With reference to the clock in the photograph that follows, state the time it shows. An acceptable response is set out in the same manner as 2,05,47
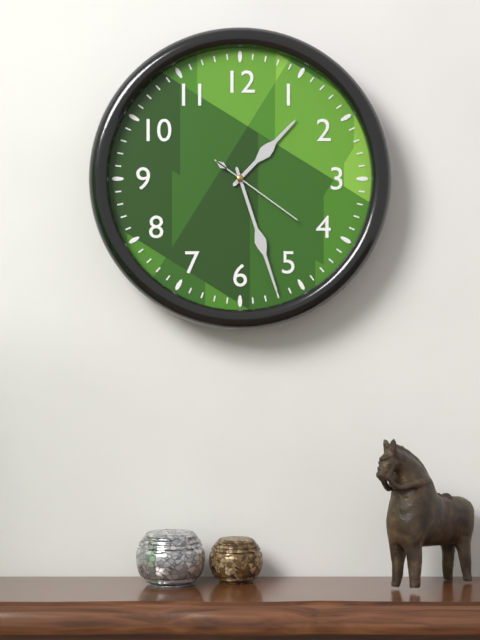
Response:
1,27,21
